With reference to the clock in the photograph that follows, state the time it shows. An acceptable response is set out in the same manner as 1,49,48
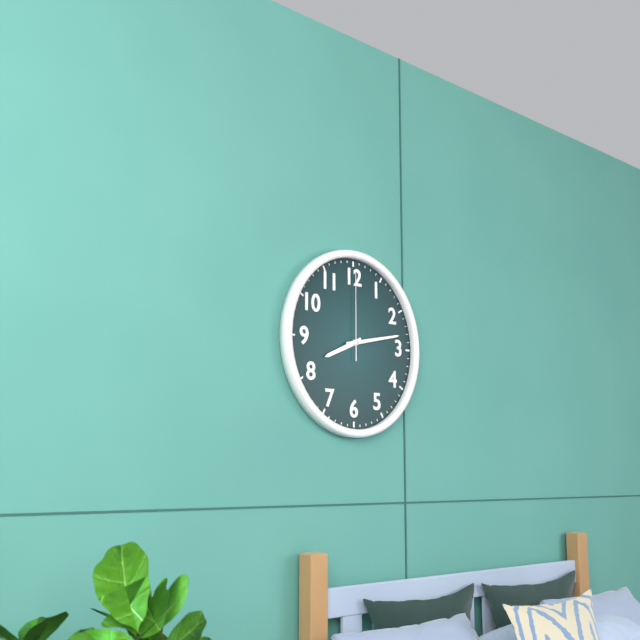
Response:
8,13,00
